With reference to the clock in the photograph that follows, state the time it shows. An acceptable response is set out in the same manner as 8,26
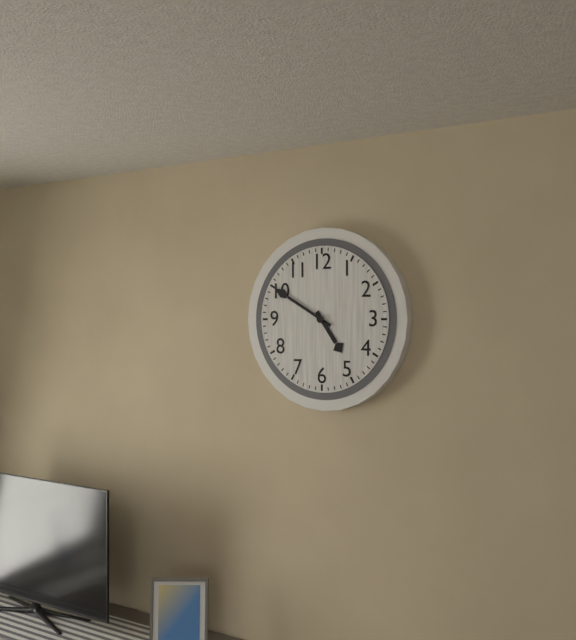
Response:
4,50
